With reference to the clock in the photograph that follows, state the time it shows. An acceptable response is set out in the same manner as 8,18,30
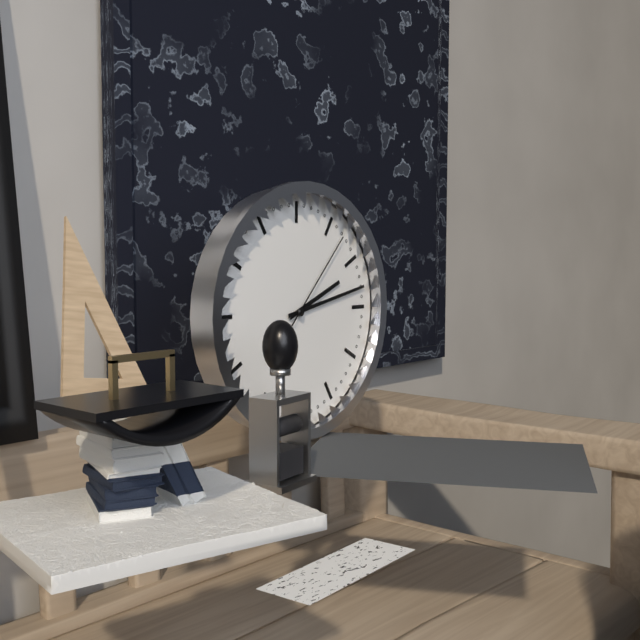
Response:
2,13,07
